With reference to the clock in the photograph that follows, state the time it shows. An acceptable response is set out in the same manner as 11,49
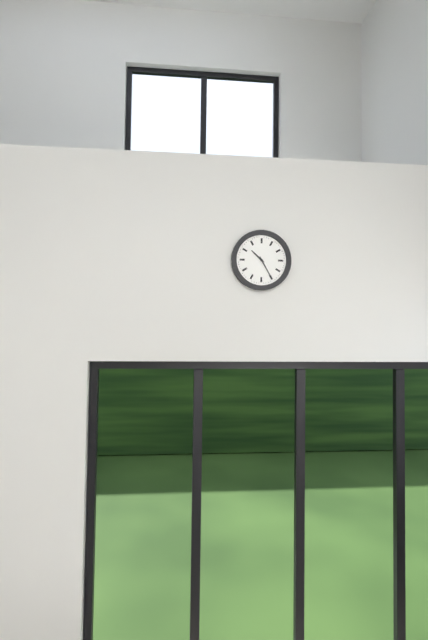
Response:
10,25
